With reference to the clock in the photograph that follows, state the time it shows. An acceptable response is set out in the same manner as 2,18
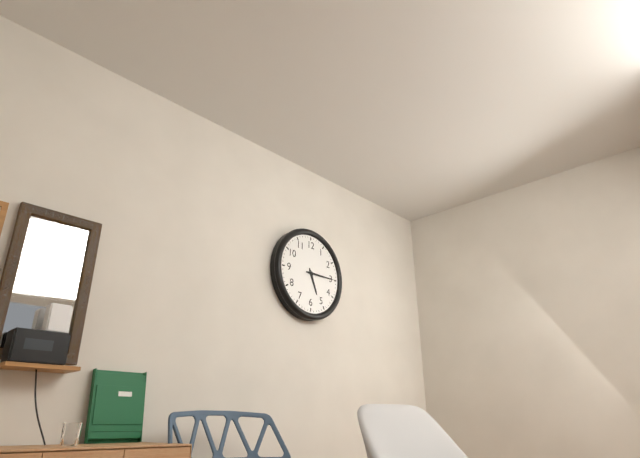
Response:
5,15
